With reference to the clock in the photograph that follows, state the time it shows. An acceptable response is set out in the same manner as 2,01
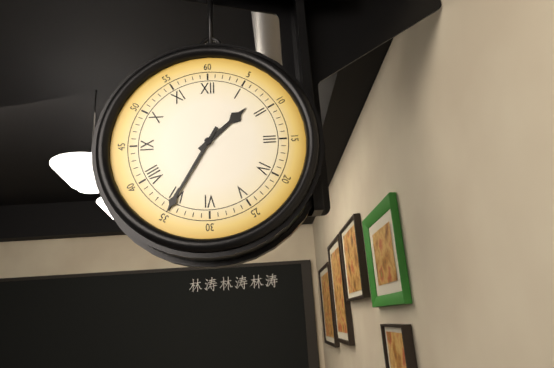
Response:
1,35
